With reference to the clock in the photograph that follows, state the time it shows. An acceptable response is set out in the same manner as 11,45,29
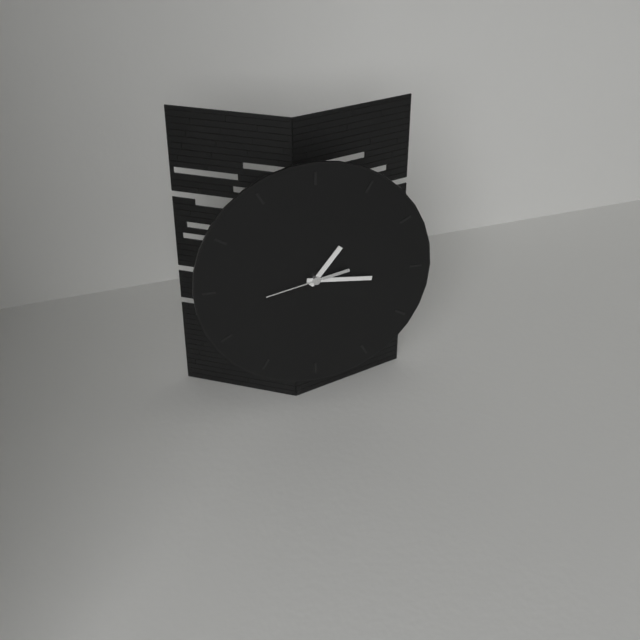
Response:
1,16,43
